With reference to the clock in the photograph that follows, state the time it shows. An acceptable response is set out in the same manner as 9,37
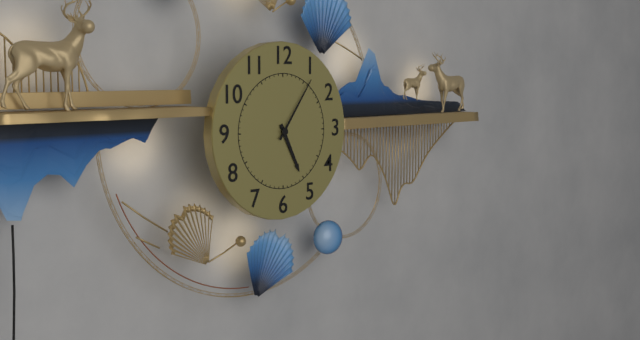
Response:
5,06
